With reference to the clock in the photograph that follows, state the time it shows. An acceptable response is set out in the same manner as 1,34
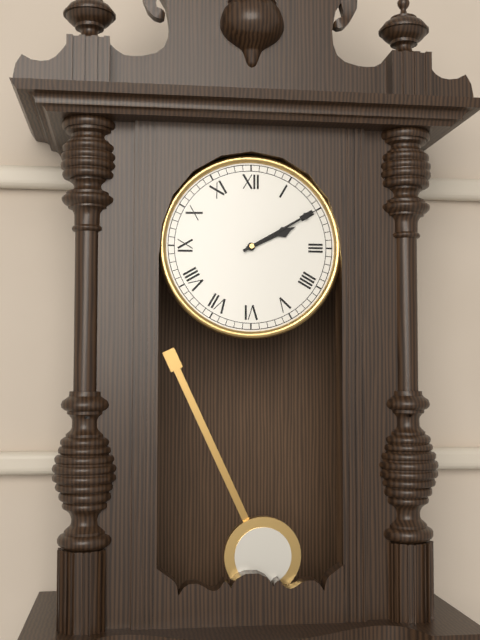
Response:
2,10
